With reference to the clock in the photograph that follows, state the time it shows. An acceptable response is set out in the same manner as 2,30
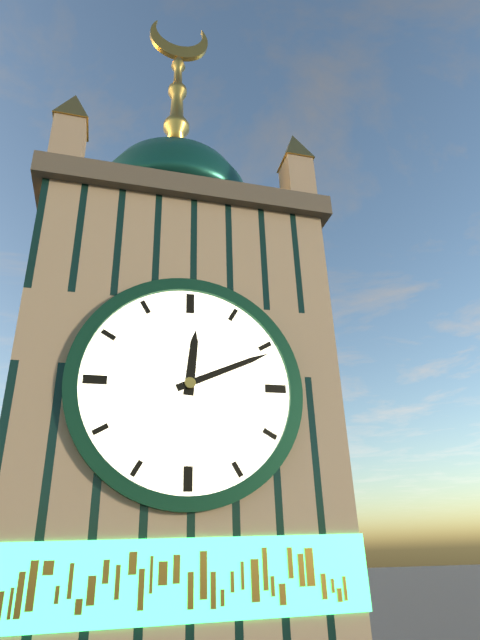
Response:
12,11
